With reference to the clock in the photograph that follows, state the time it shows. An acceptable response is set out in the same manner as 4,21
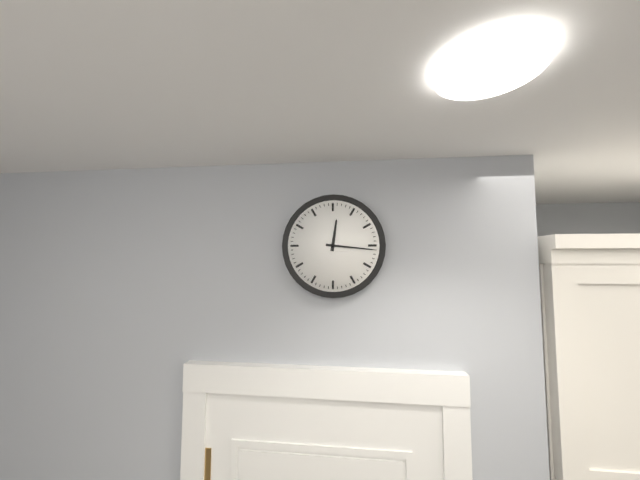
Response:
12,16
